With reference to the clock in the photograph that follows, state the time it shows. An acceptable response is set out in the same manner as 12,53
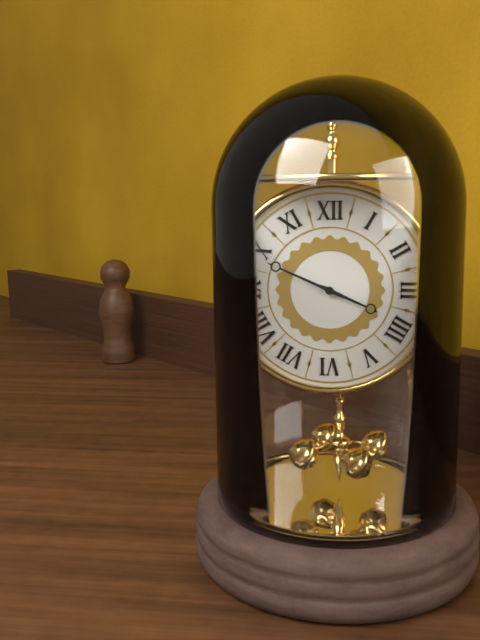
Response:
3,49
